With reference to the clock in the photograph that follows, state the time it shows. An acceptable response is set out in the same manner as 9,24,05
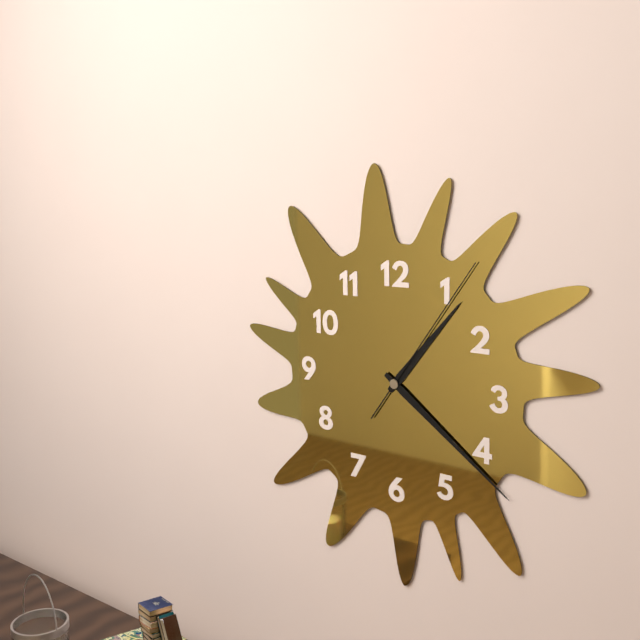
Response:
1,21,06
